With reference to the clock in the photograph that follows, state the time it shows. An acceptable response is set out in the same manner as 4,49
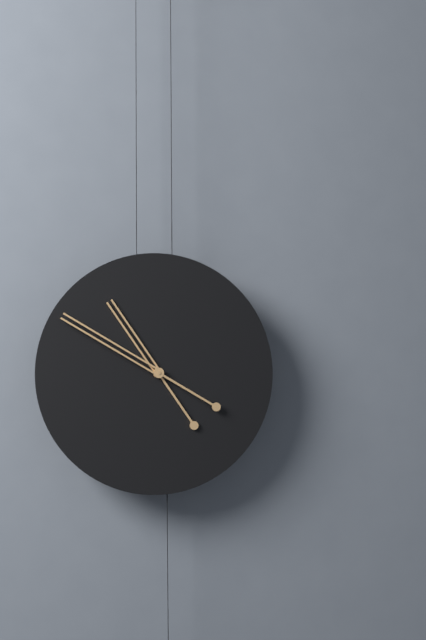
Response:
10,50
